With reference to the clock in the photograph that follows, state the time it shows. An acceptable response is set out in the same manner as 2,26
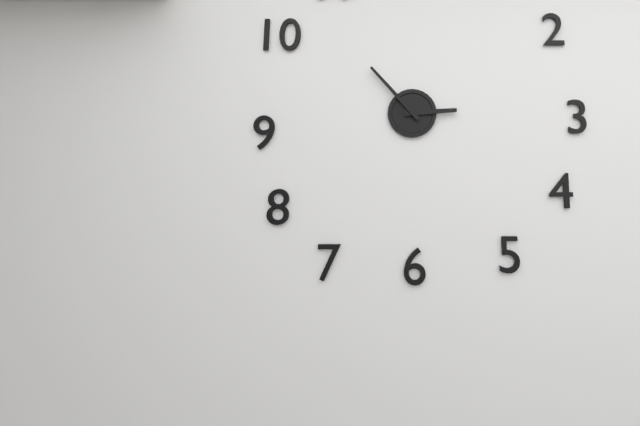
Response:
2,53
